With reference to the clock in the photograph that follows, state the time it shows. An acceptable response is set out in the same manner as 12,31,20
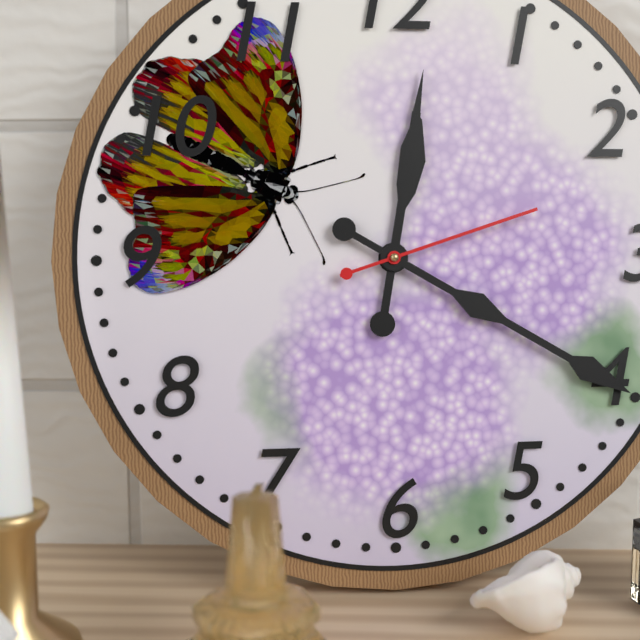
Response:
12,20,12
